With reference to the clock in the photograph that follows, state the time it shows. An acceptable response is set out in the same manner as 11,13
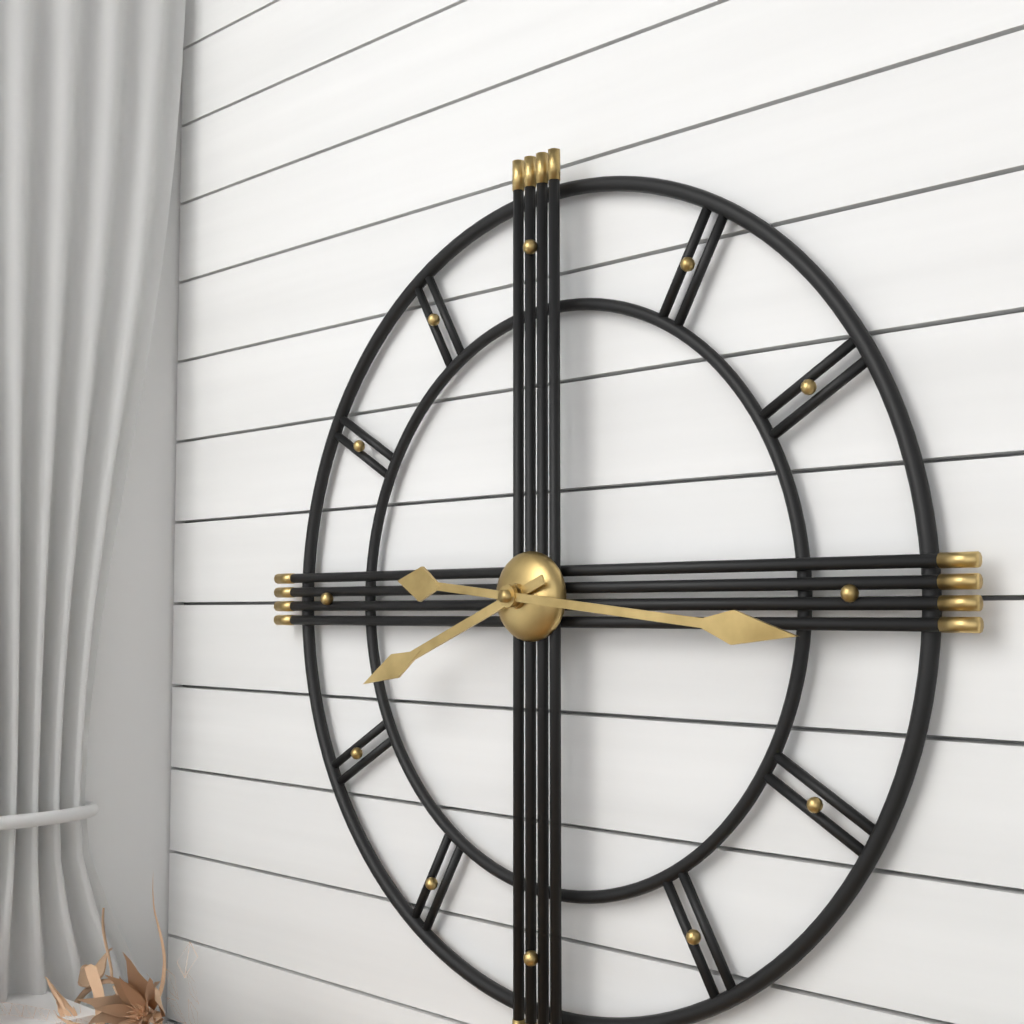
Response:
8,16
